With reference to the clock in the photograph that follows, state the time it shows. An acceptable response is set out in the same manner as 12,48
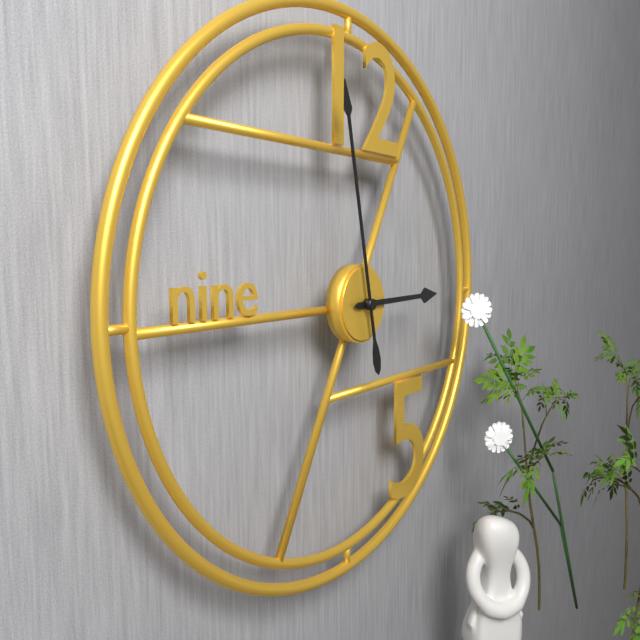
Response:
2,58
